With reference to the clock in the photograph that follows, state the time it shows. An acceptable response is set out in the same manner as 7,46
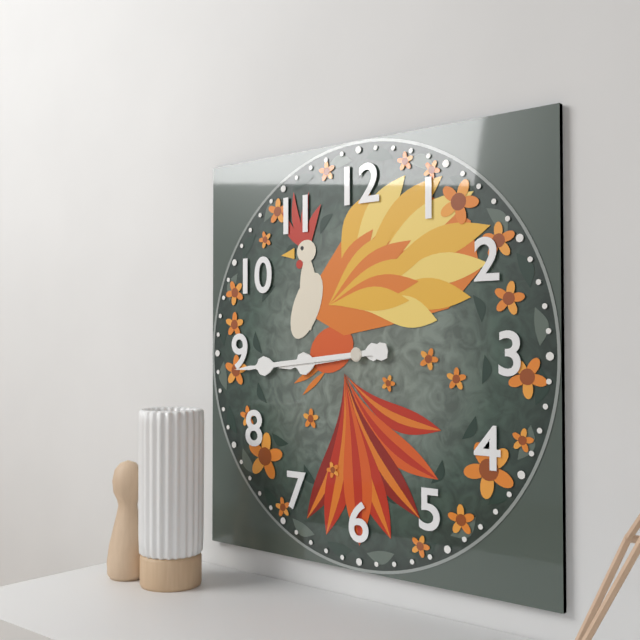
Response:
8,44
